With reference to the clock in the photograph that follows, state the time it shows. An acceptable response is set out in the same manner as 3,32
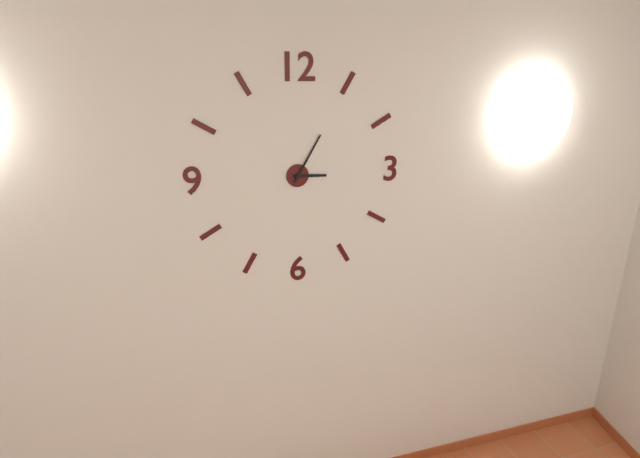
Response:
3,05
